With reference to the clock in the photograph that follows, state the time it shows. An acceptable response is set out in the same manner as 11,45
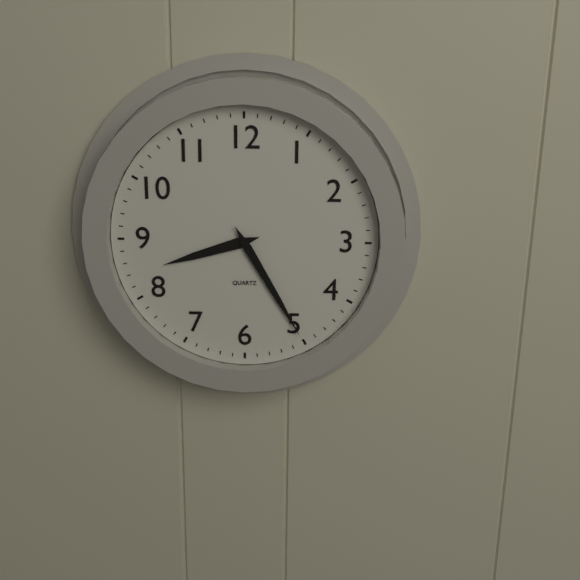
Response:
8,25
